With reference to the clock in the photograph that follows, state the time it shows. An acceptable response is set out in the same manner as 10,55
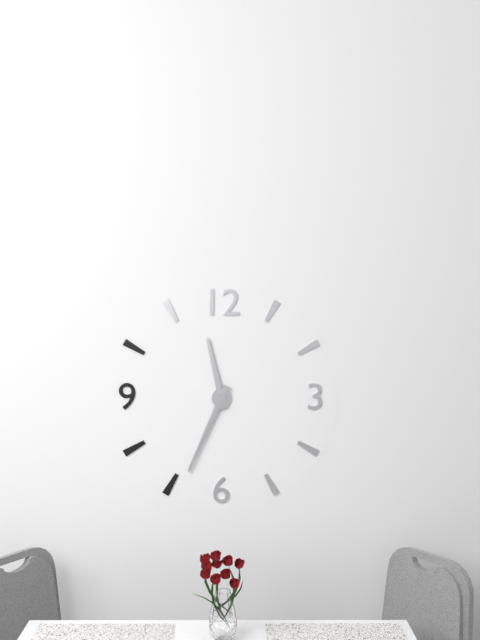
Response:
11,34
